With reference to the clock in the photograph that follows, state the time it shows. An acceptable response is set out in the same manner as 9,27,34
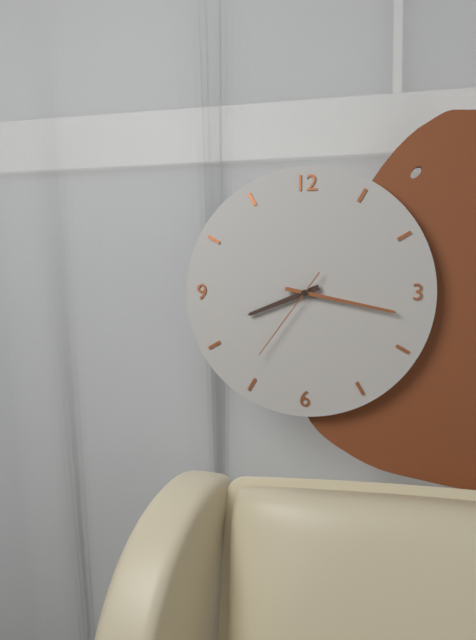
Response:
8,17,36
